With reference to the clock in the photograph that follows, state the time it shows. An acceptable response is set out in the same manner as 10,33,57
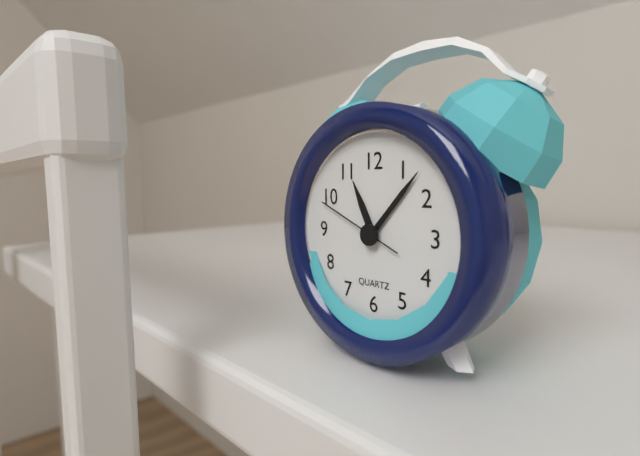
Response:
11,07,49
